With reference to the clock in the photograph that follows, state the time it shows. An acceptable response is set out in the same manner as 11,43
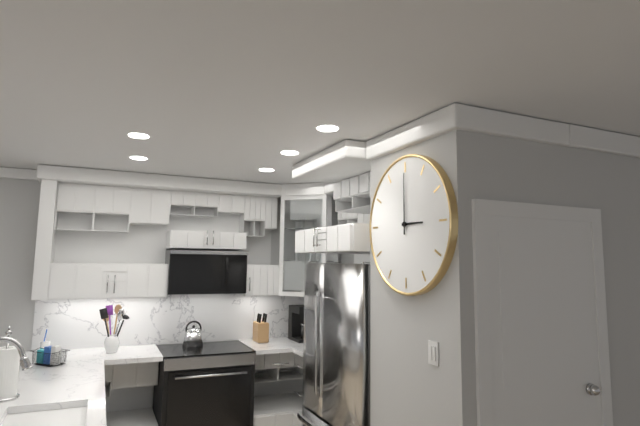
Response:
3,00
